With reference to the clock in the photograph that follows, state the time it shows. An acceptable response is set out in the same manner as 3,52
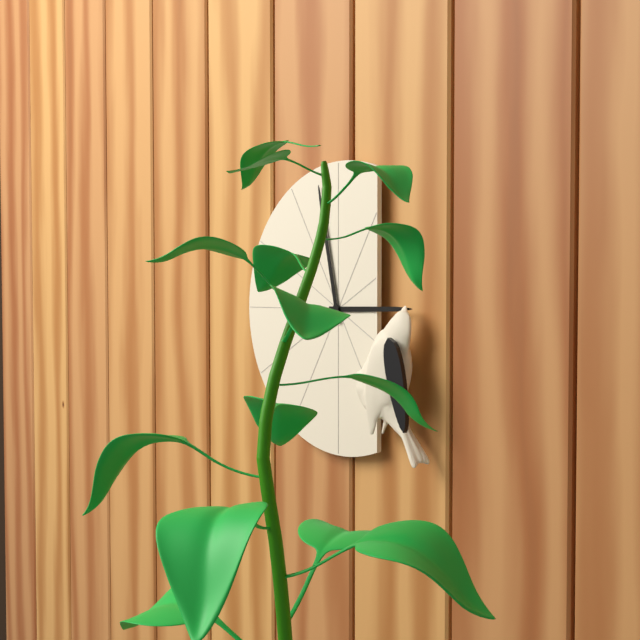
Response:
2,58
